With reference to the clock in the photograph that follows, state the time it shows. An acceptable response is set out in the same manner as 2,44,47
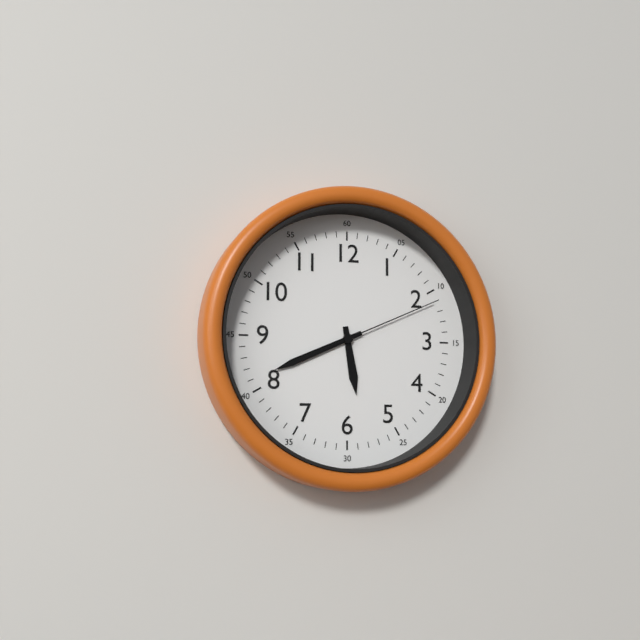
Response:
5,41,11
